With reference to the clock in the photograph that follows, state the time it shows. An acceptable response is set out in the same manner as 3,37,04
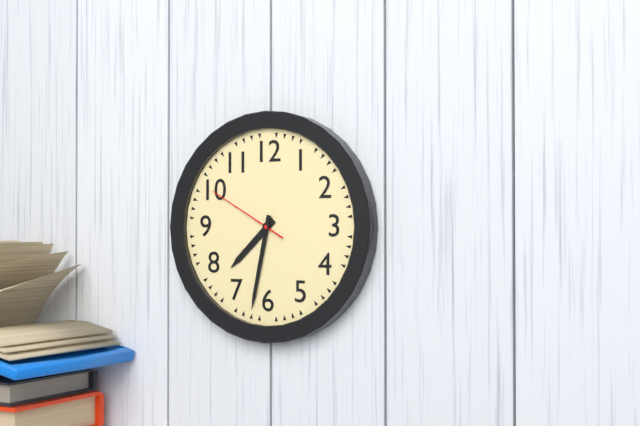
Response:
7,32,50
